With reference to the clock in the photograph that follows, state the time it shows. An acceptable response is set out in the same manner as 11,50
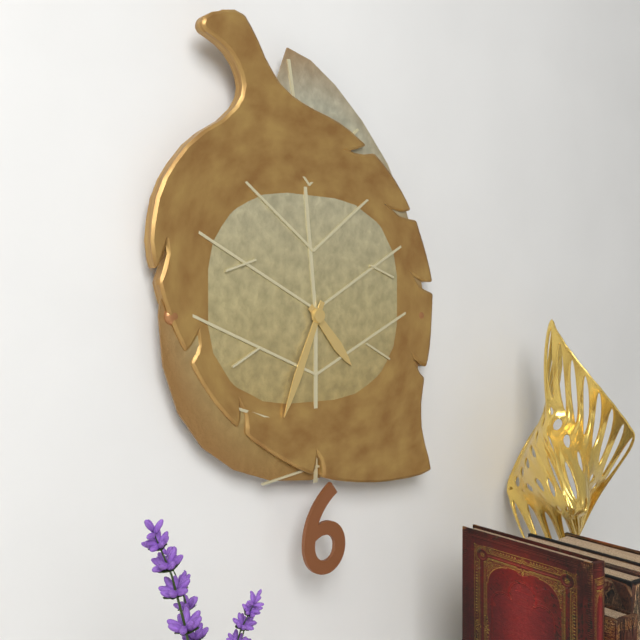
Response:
4,34
